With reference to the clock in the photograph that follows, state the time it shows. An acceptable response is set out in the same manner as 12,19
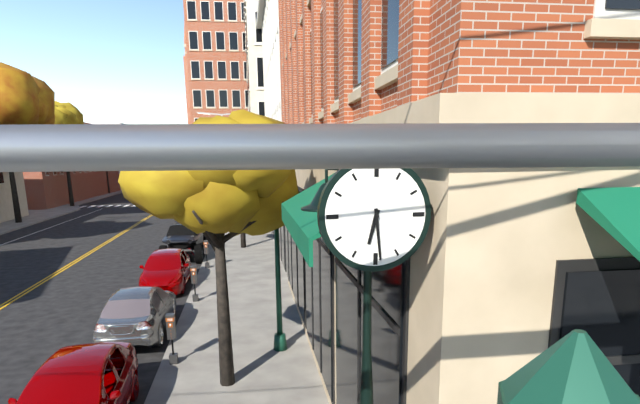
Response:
6,29
